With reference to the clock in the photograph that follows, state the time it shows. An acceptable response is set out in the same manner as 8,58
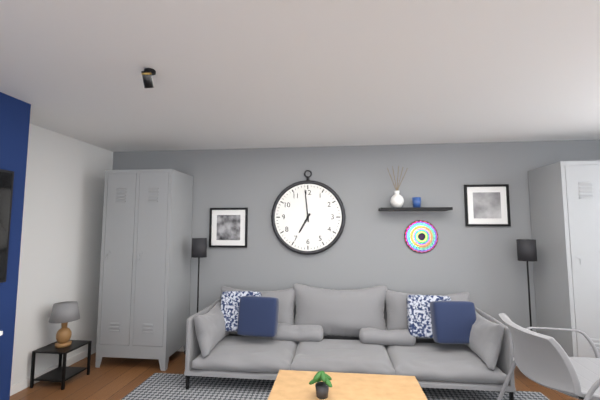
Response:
6,59
